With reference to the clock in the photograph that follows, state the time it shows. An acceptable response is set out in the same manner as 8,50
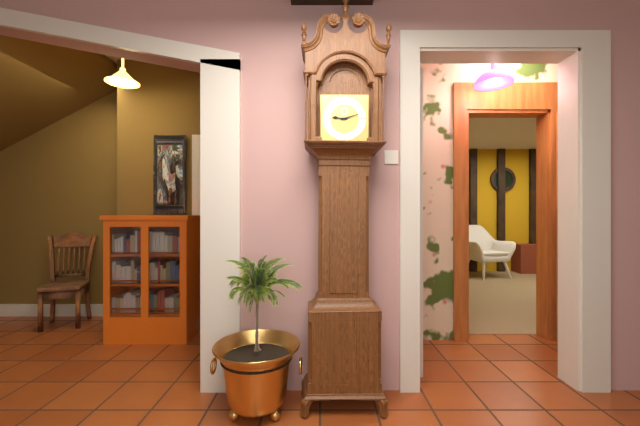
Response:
9,12
